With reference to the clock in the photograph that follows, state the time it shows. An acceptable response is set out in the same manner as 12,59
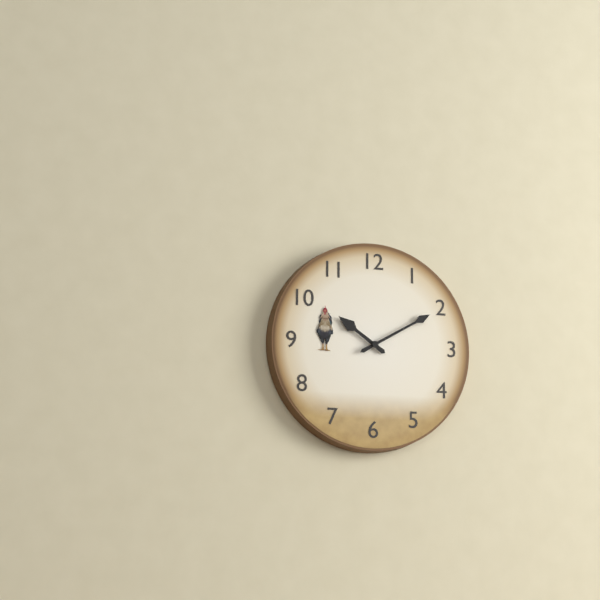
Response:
10,10
